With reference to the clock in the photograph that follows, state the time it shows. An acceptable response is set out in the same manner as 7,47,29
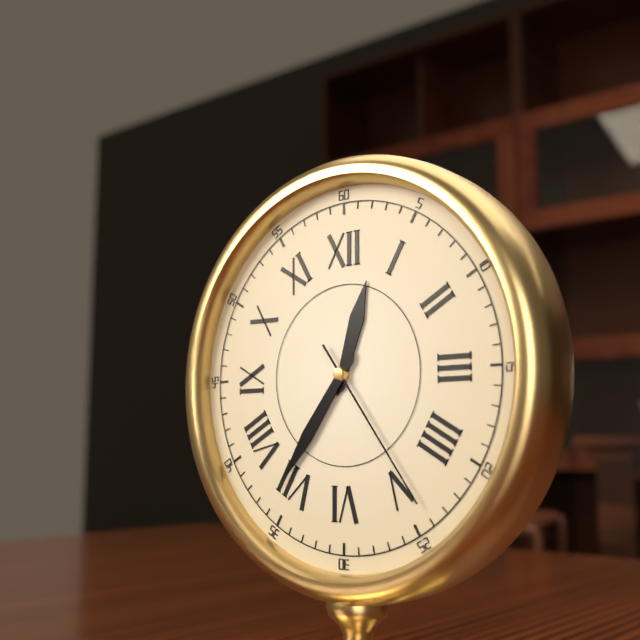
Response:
12,36,24
